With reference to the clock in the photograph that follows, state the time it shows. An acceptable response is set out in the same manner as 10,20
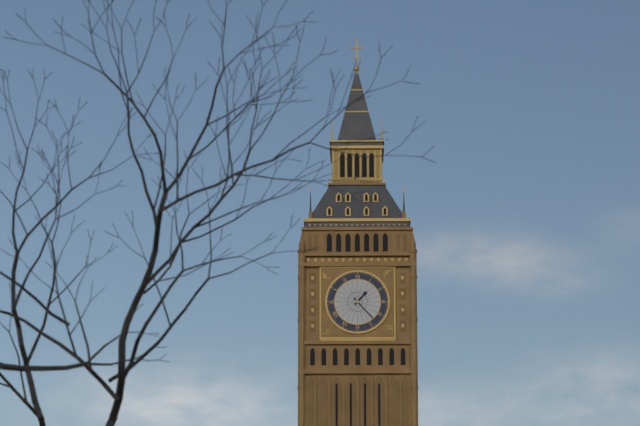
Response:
1,23
